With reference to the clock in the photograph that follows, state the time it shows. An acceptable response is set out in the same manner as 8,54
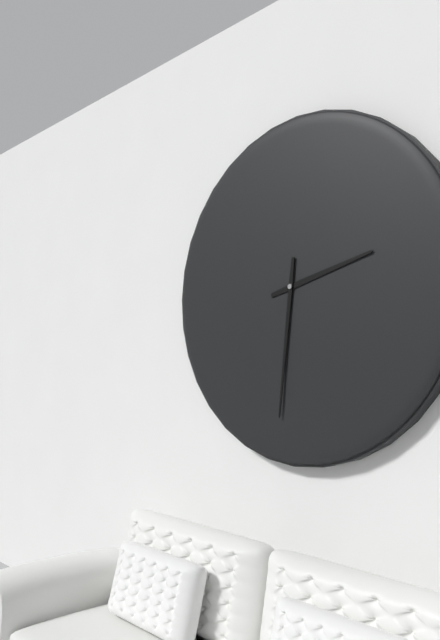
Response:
2,31
